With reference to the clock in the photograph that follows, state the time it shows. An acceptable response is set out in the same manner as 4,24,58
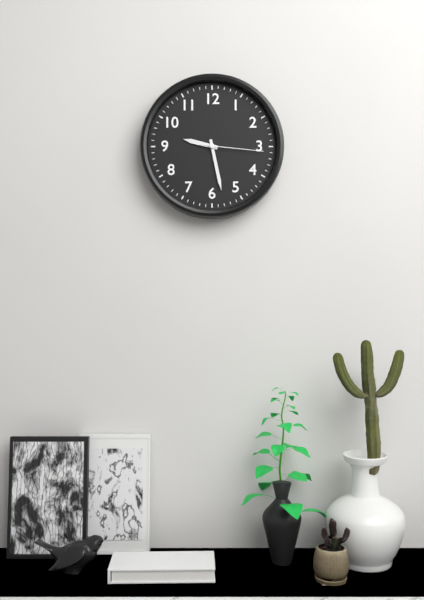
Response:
9,28,16
